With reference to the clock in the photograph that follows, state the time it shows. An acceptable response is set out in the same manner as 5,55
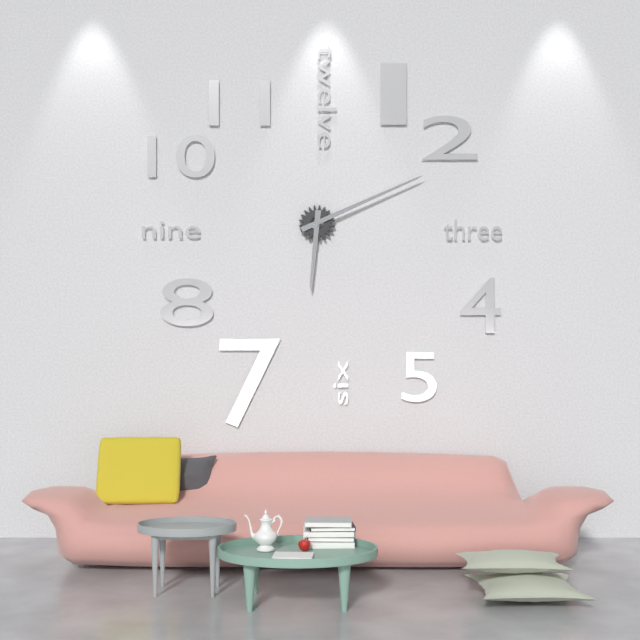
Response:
6,11
